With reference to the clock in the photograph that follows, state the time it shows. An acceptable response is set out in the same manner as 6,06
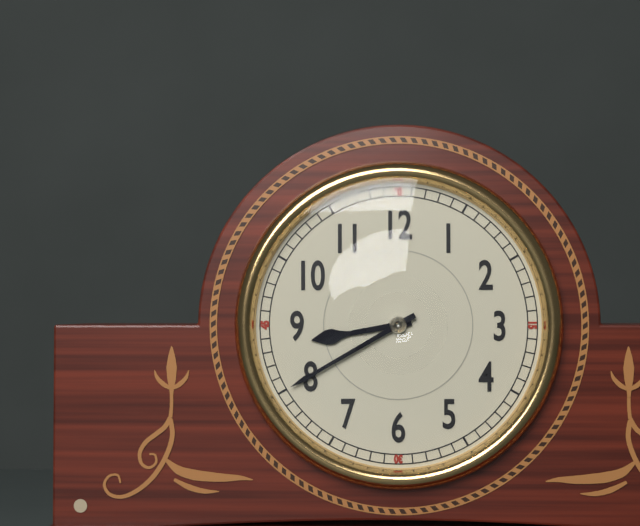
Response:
8,40
